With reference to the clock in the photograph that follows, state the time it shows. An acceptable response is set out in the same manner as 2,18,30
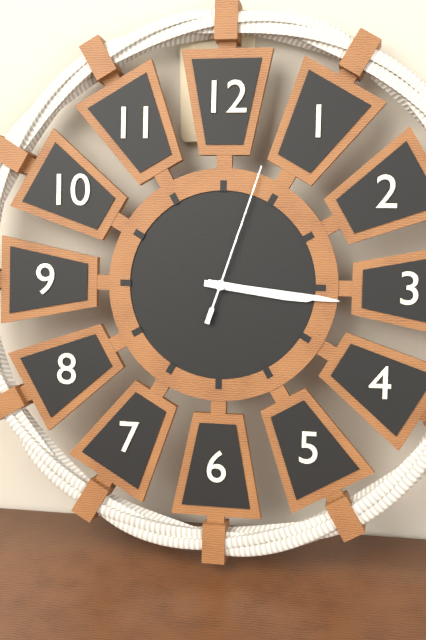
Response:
3,16,03
